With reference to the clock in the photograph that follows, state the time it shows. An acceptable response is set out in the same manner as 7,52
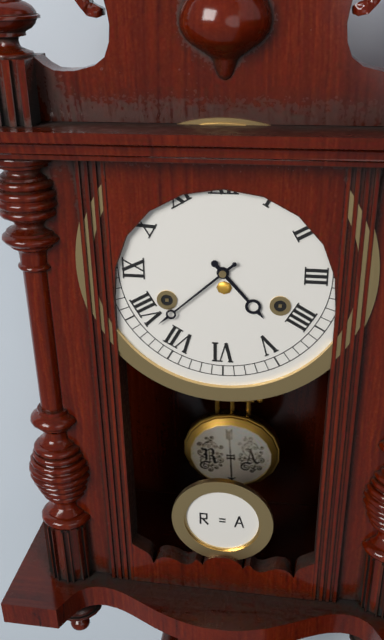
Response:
4,38
